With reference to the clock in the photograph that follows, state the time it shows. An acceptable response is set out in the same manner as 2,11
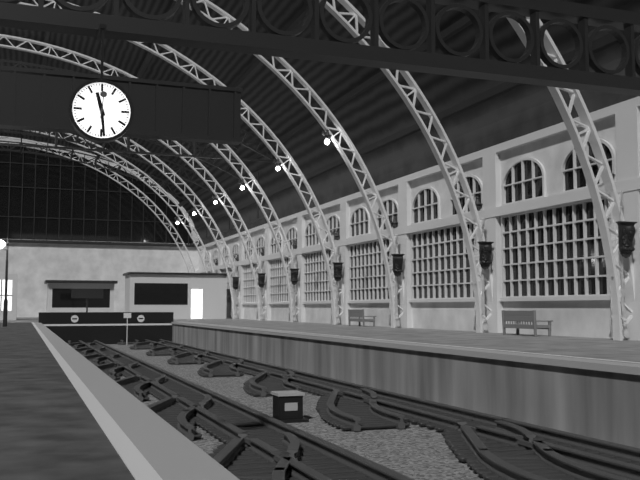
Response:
11,29
